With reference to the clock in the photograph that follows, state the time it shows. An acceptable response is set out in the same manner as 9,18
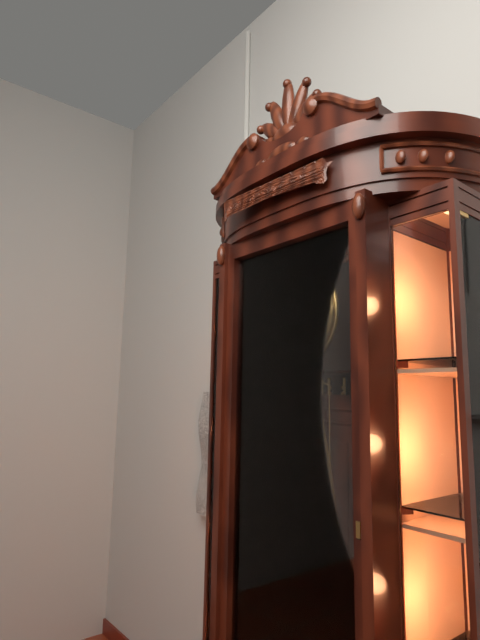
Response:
9,02
